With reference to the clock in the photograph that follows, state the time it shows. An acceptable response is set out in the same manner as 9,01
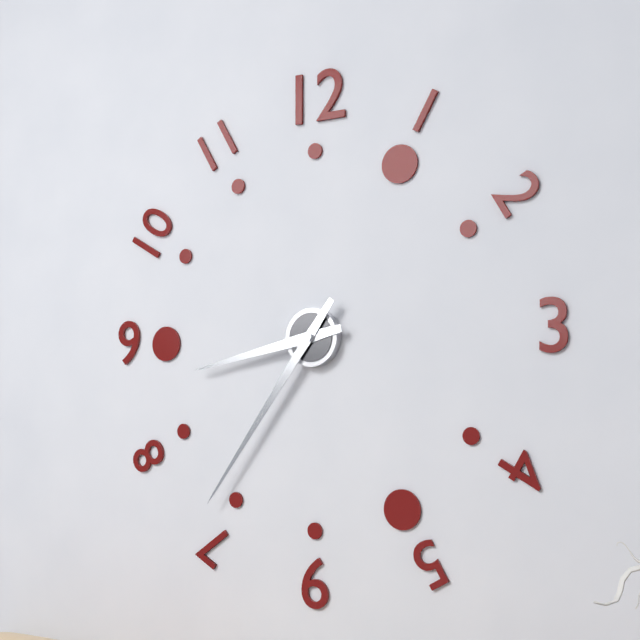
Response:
8,36
